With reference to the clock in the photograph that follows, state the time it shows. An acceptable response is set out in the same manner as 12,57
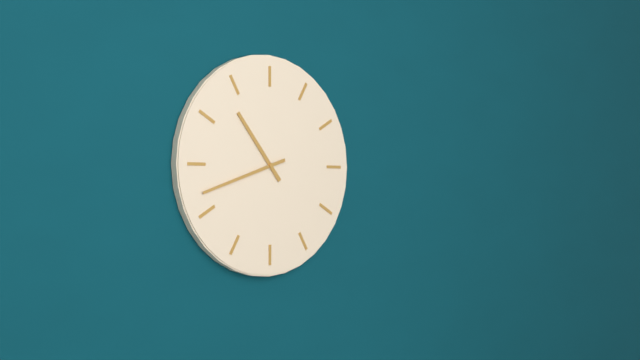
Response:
10,42
